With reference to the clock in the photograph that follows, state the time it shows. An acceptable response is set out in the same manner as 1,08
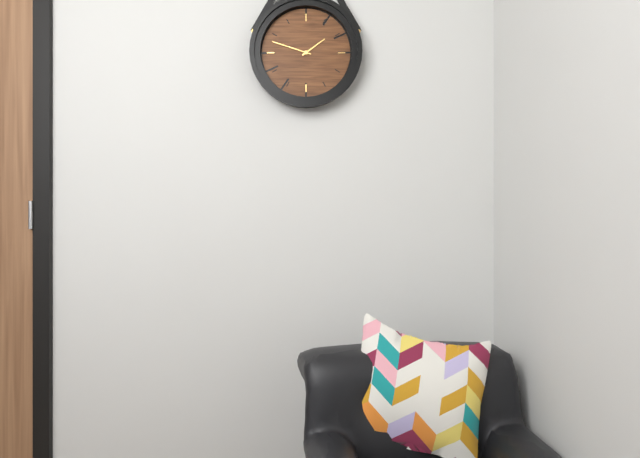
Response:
1,48
